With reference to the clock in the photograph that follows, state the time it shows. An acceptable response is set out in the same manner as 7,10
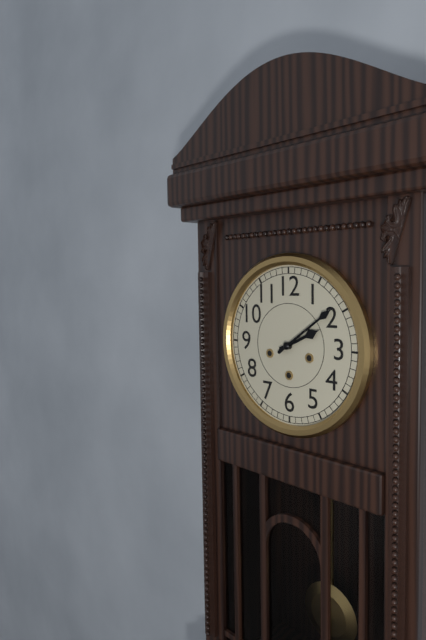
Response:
2,09
